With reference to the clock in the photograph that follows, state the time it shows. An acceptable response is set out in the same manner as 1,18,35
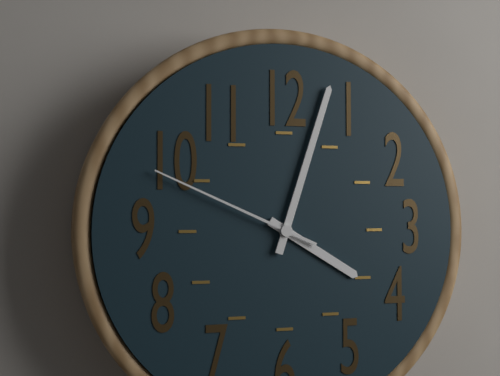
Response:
4,03,49
